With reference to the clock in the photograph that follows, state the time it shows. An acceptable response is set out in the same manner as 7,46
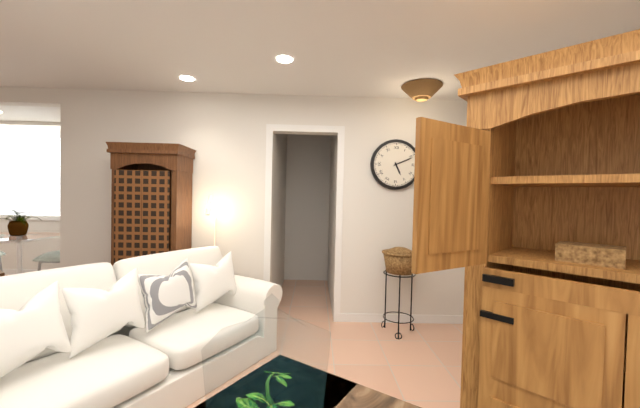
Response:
5,11
